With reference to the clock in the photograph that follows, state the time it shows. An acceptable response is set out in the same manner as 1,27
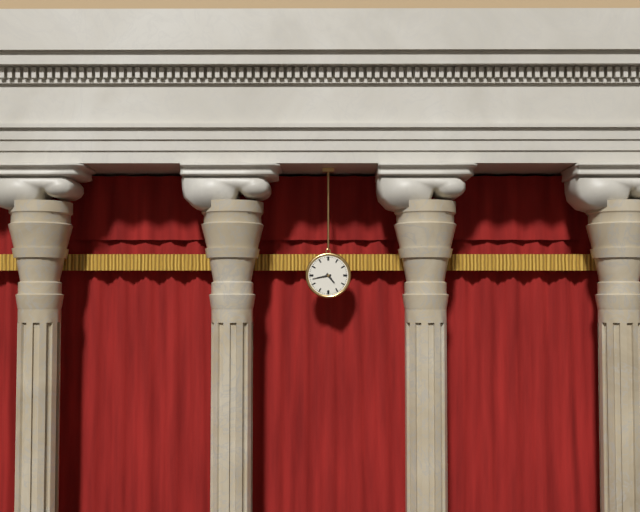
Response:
4,43
